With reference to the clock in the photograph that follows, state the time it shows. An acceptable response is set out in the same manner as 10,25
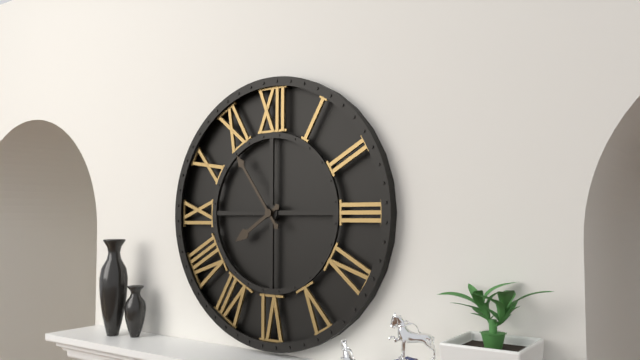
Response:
7,54
